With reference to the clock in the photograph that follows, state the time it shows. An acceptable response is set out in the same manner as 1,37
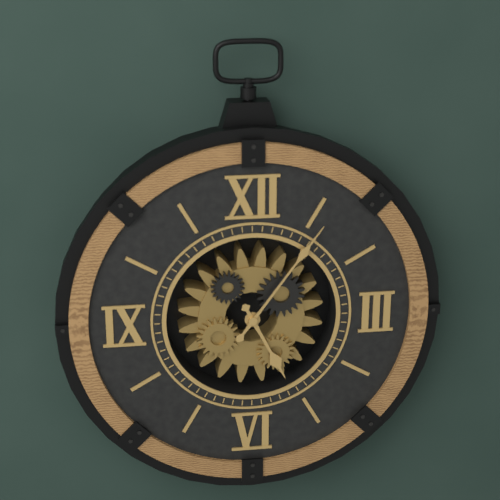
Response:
5,06
